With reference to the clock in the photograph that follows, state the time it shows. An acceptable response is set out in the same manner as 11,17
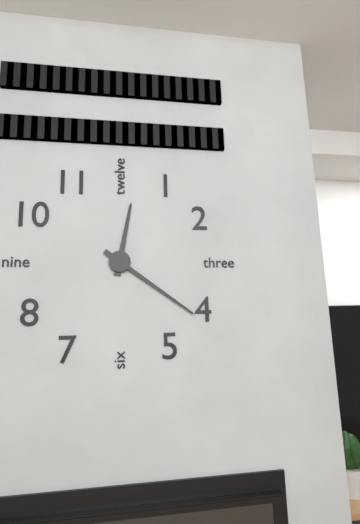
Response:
12,21
